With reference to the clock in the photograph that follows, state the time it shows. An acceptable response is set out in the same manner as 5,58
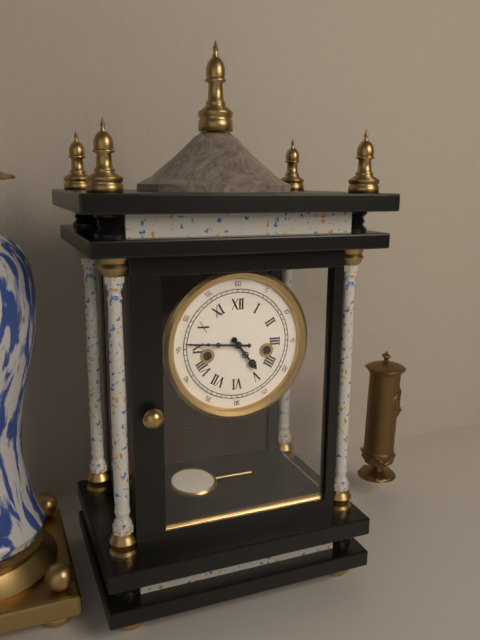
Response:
4,46
